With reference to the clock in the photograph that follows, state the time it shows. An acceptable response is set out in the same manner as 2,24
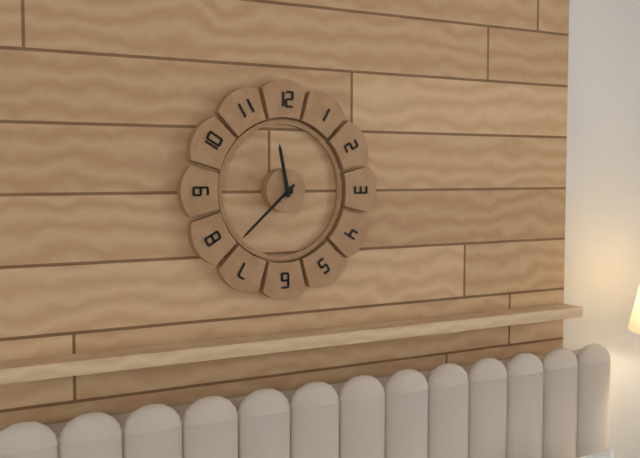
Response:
11,38
